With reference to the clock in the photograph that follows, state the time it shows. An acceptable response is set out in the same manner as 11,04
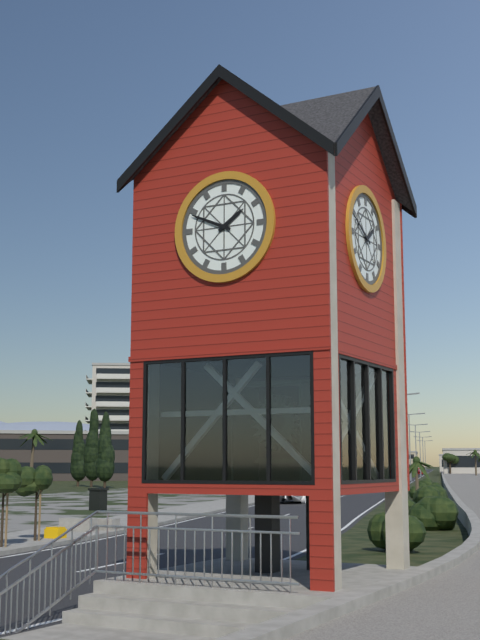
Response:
1,49
